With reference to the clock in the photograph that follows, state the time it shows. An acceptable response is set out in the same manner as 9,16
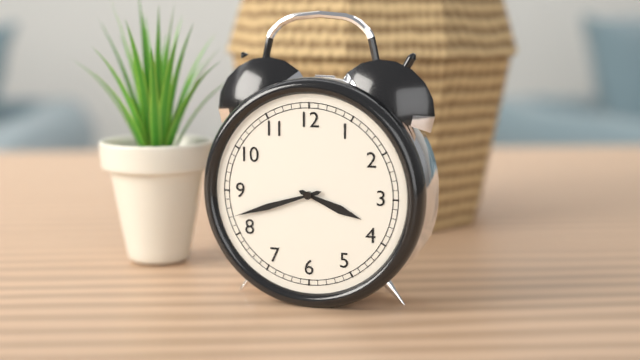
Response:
3,42
